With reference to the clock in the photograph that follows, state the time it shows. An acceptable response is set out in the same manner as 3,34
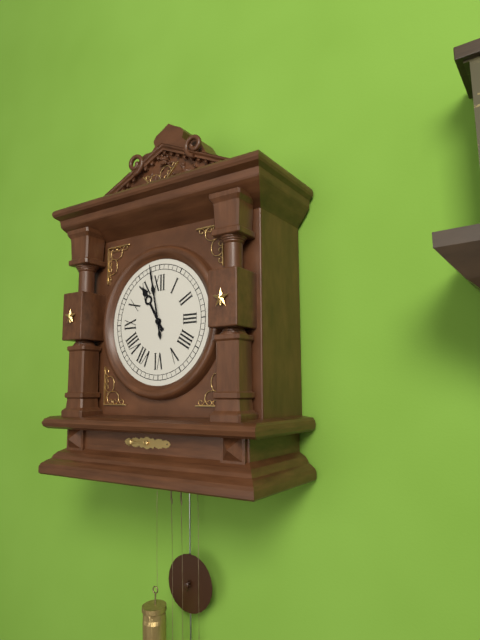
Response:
10,58
